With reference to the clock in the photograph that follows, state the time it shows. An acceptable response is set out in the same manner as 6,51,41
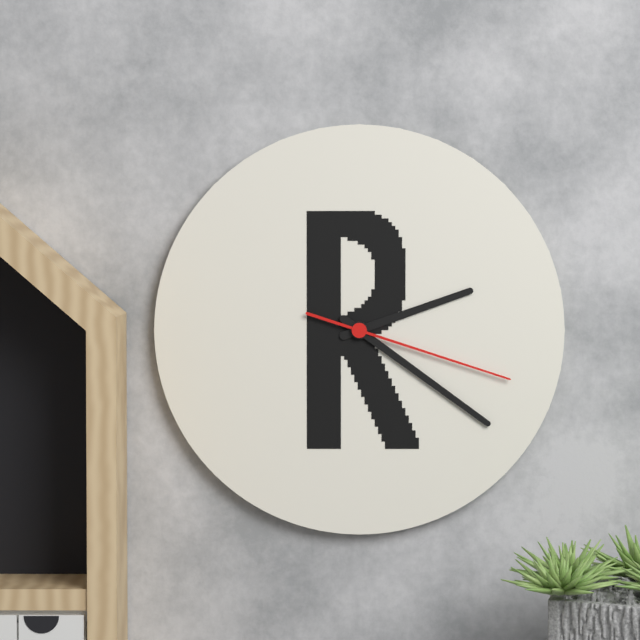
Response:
2,21,18
